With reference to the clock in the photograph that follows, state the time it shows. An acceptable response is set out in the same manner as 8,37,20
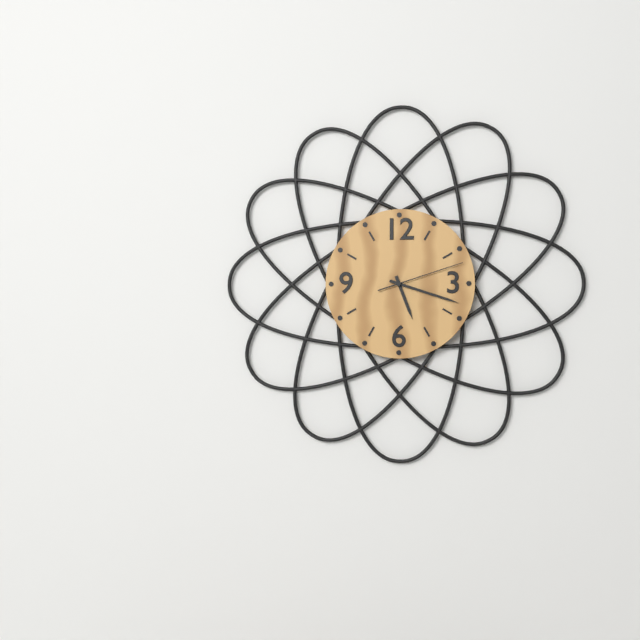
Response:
5,18,12
